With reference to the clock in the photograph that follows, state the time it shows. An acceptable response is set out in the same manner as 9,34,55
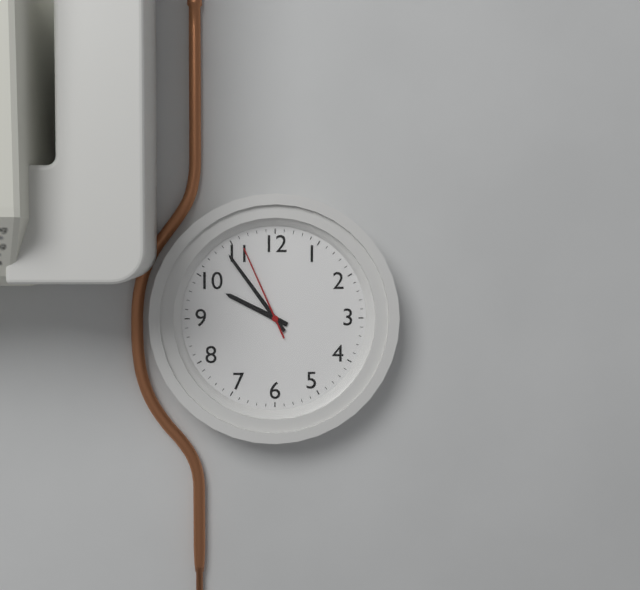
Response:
9,54,56
